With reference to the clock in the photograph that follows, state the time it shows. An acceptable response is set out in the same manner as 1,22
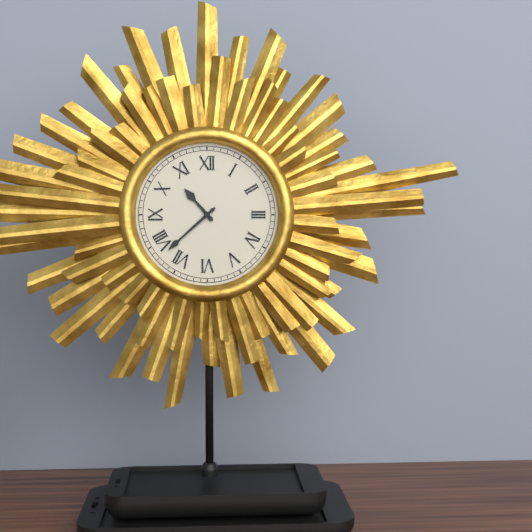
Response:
10,38
